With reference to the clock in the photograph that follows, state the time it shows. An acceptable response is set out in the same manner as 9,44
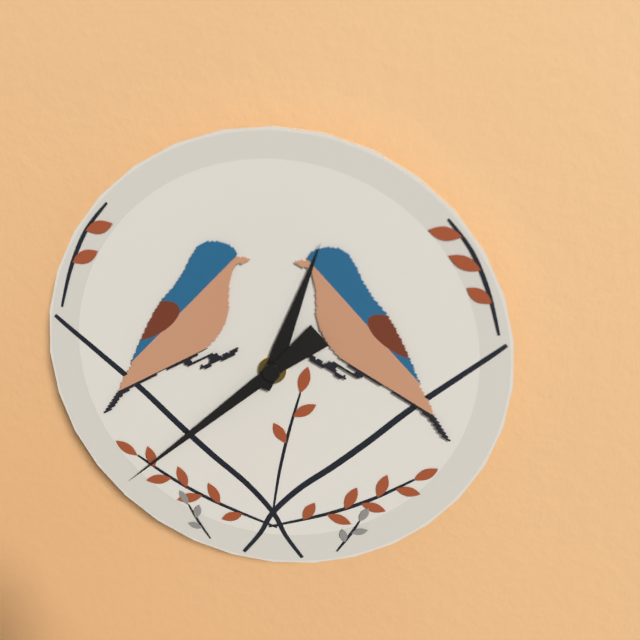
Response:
12,38
